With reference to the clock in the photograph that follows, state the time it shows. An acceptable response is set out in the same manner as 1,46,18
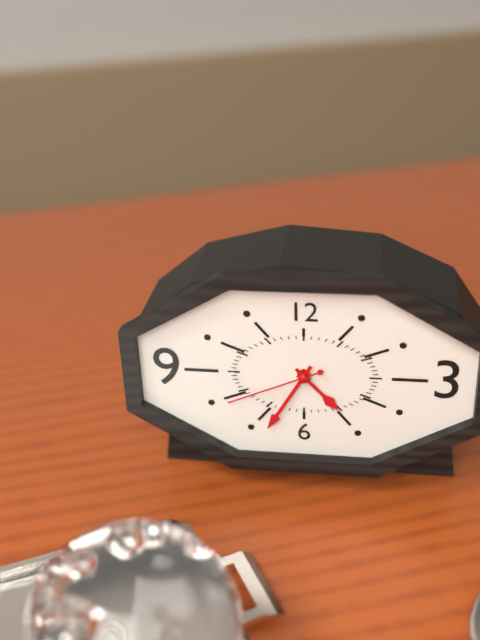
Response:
4,35,41
